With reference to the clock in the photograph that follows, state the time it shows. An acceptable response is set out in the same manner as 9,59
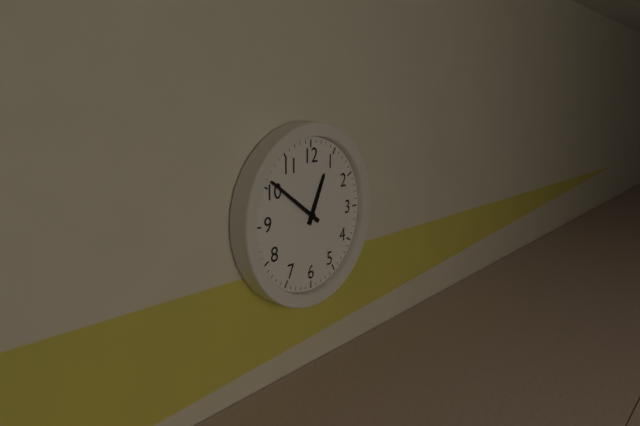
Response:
12,51
